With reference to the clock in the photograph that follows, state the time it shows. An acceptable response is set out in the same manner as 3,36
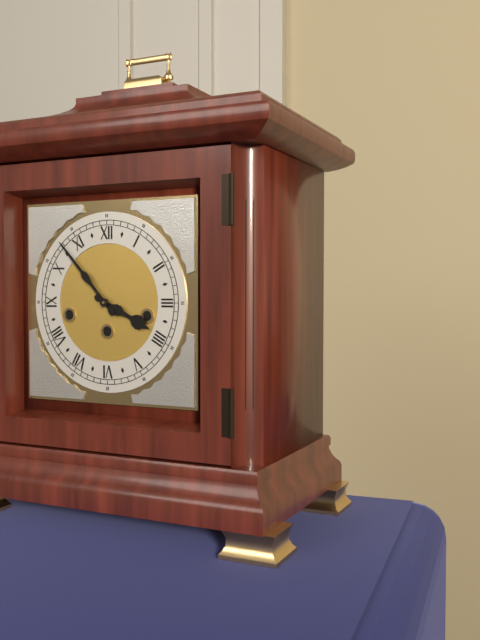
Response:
3,53
